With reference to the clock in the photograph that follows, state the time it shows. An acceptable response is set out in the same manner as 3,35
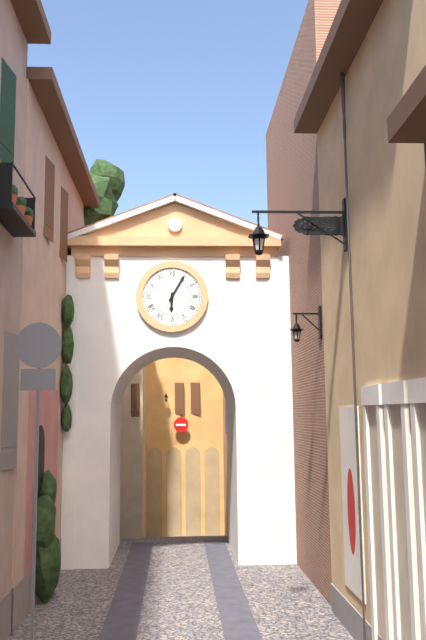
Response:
6,05
